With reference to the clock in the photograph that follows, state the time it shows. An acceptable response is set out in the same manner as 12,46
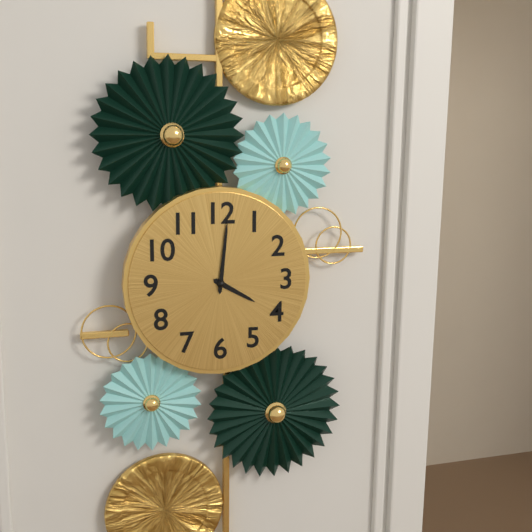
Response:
4,01
